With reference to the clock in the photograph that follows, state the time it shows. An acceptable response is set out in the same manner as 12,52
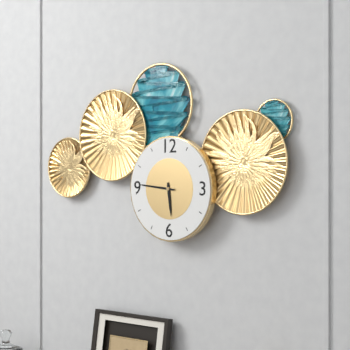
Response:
5,46
